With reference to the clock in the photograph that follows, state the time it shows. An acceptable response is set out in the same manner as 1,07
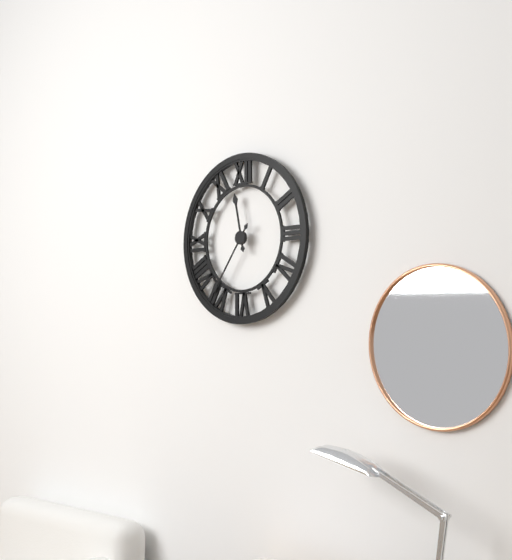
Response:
11,36
